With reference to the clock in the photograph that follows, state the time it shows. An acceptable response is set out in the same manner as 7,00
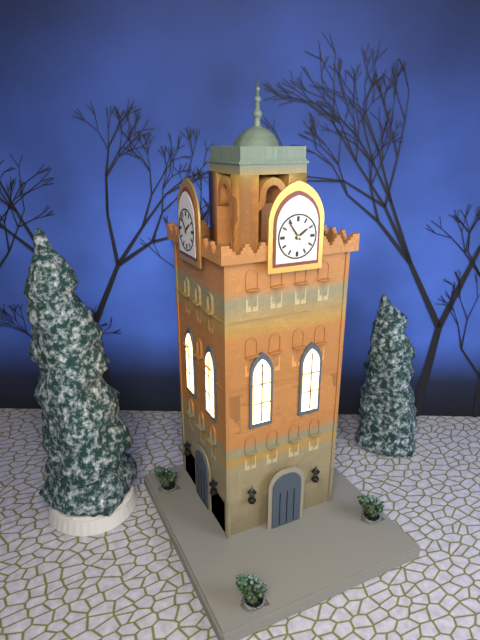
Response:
1,54
